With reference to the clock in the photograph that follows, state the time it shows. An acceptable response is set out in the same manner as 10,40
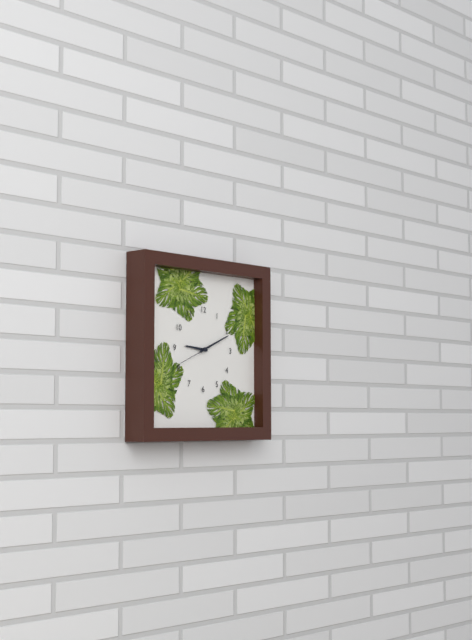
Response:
9,11
